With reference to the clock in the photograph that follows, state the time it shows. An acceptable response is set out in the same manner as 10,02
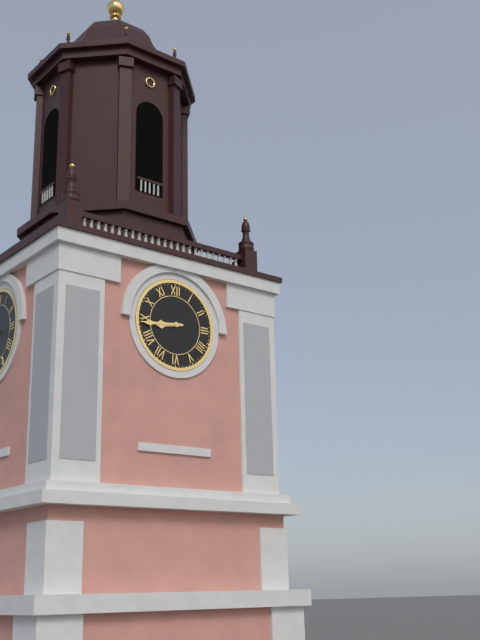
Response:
8,44
